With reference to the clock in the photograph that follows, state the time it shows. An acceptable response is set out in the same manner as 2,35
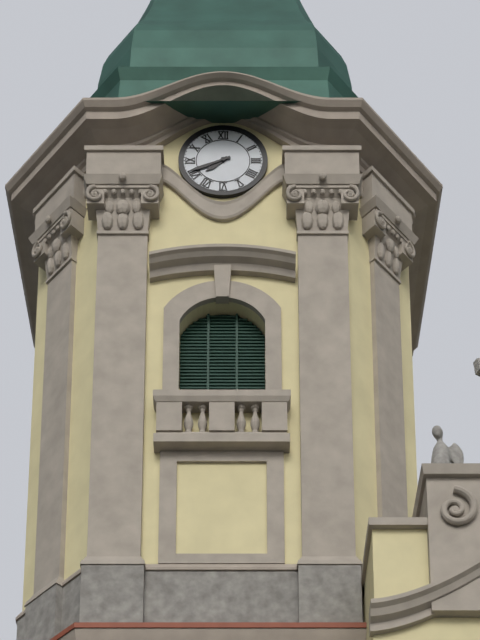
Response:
7,41
